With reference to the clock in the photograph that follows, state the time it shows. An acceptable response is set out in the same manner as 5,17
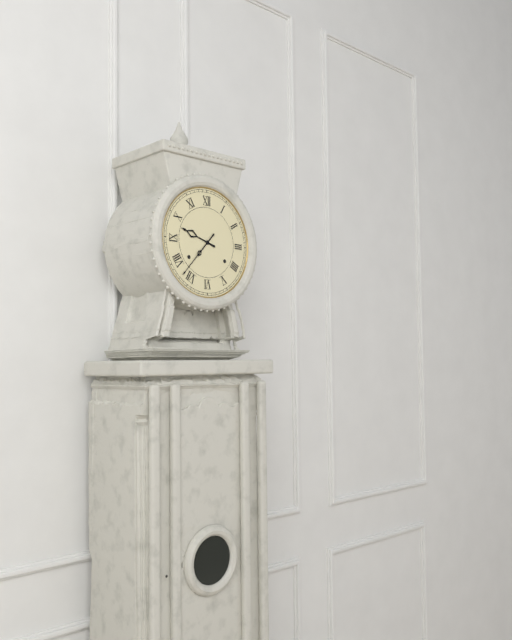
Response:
9,37
